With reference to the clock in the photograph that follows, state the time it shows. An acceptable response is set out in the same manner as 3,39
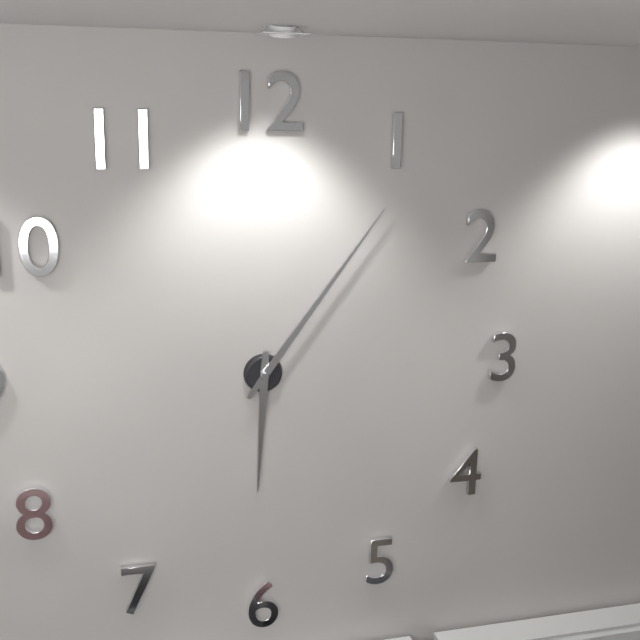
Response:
6,06
